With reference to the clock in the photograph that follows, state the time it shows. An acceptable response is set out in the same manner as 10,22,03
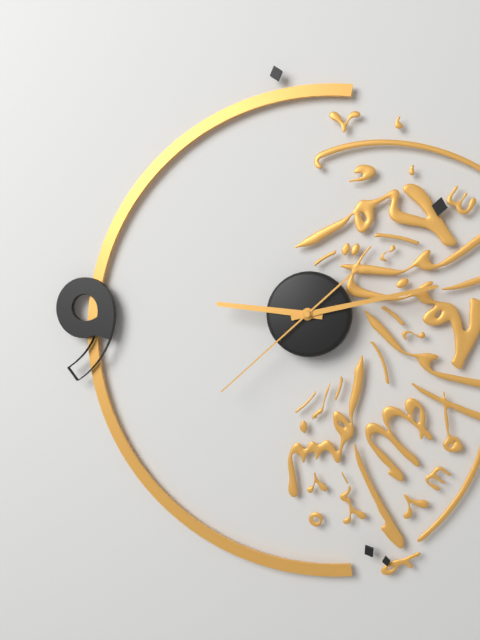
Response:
9,13,38
